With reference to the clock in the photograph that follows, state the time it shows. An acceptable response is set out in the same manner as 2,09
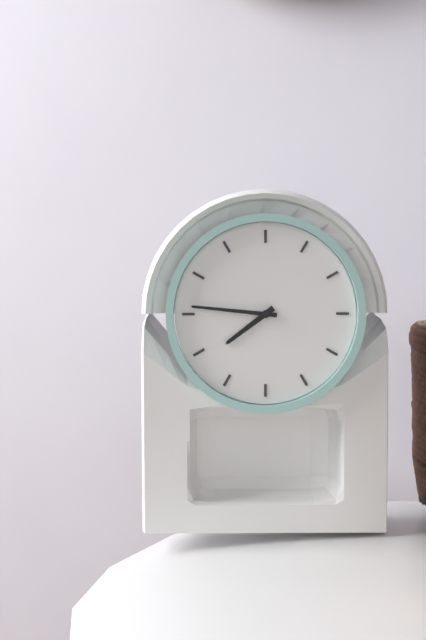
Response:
7,46
